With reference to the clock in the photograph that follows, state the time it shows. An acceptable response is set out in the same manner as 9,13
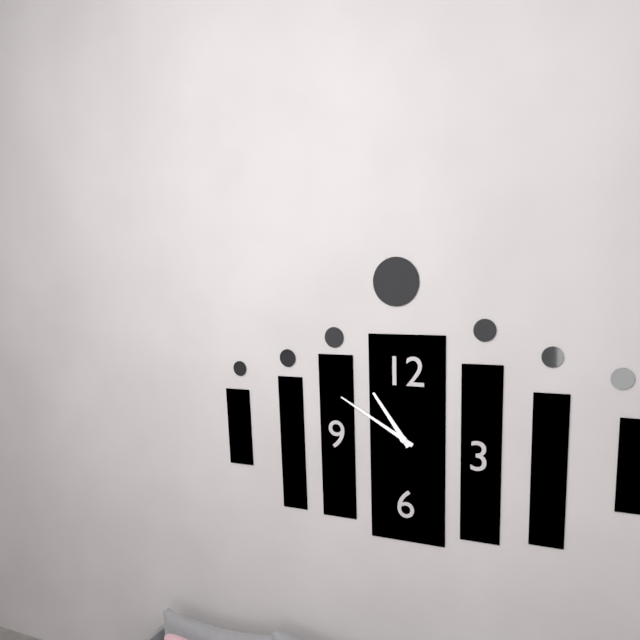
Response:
10,50
